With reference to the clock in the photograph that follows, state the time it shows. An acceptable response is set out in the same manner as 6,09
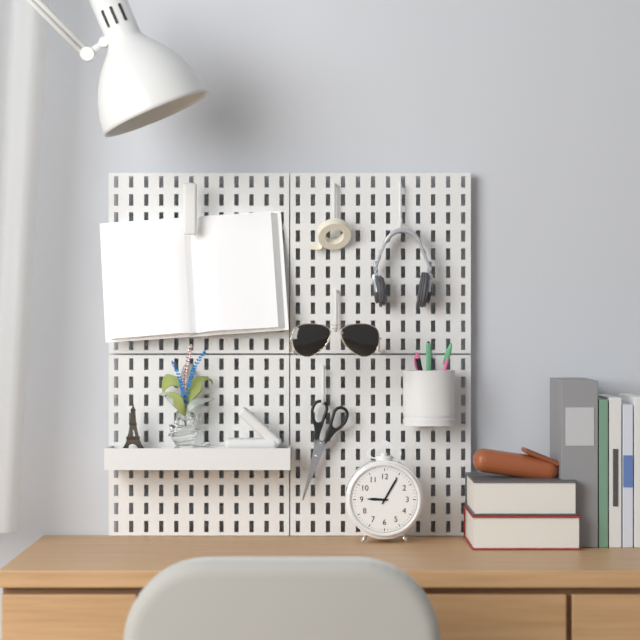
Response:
9,05
